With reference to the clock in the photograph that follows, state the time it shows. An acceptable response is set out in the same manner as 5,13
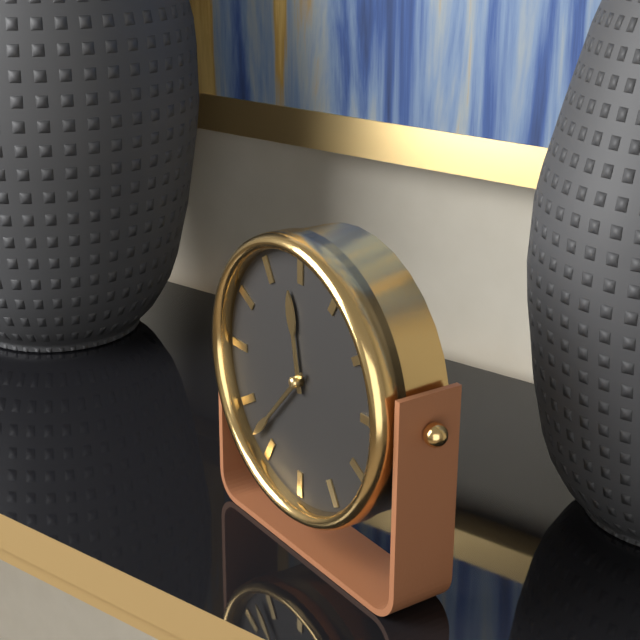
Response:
11,37
